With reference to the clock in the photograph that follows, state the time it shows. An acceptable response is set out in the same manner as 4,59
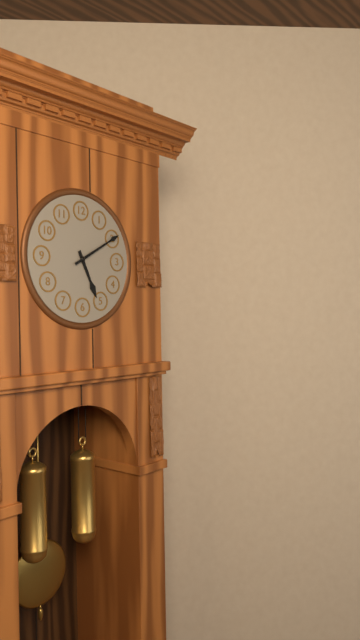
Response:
5,10
